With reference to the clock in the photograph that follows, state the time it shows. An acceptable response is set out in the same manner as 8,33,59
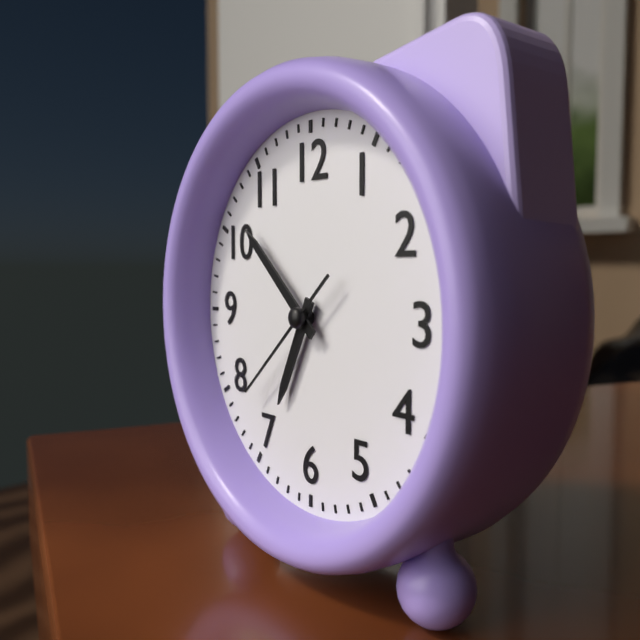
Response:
6,52,38
